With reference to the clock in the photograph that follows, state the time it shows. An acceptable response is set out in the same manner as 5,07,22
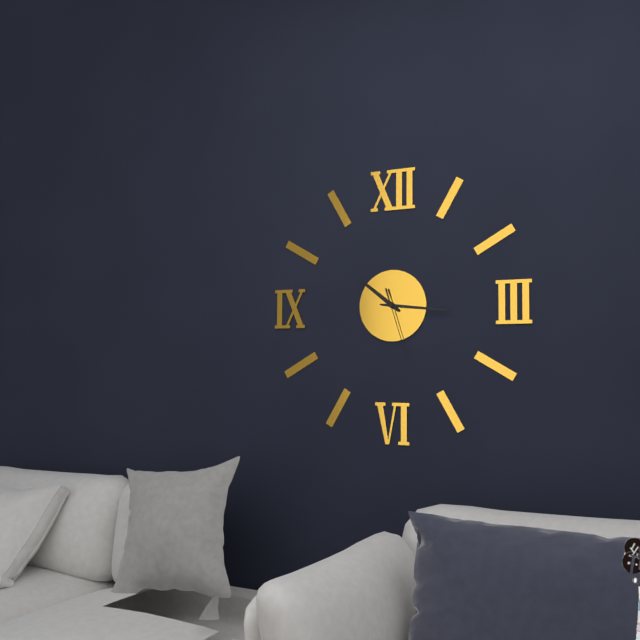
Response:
10,16,27
